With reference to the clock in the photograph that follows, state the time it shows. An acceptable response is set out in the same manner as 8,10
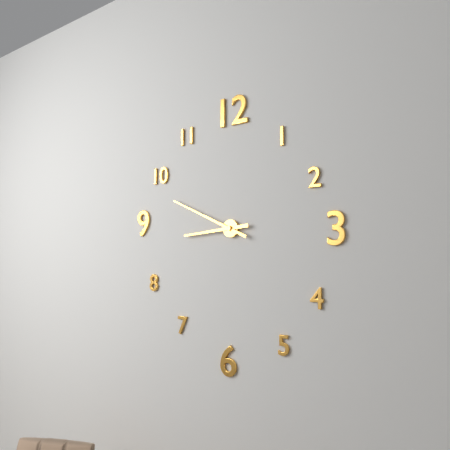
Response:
8,49
